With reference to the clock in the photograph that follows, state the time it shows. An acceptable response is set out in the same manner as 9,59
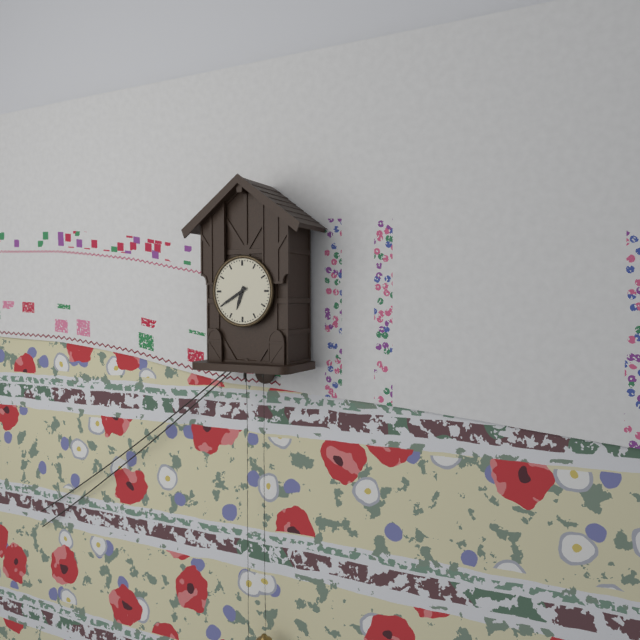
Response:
6,40
